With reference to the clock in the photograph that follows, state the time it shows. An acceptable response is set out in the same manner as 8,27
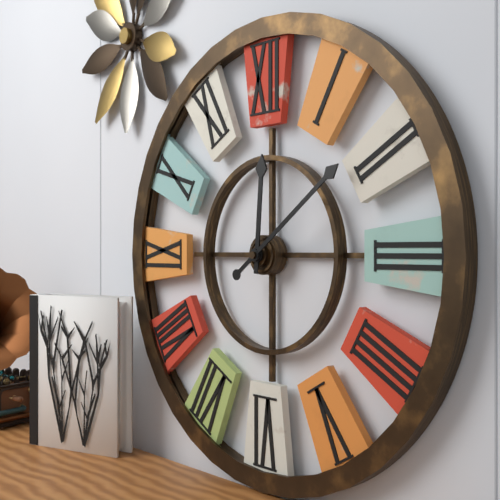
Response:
12,09
